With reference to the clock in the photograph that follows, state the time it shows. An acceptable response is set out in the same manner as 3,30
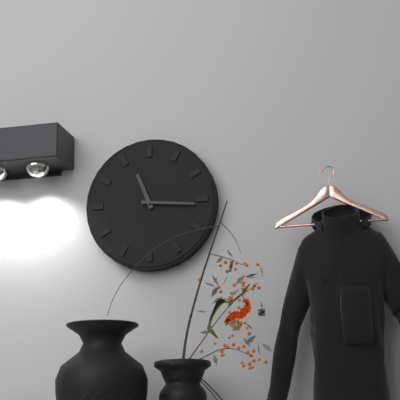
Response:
11,16
